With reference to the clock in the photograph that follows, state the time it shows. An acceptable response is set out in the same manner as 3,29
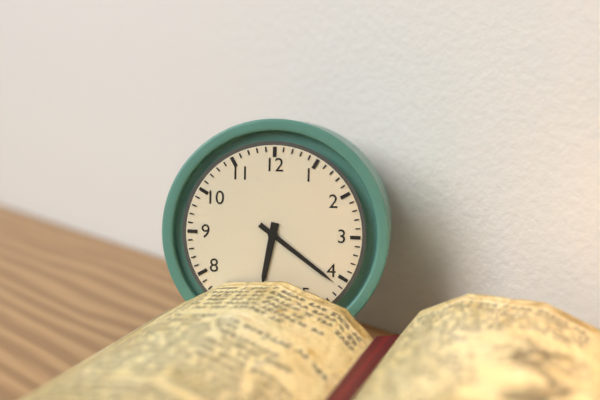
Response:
6,21
